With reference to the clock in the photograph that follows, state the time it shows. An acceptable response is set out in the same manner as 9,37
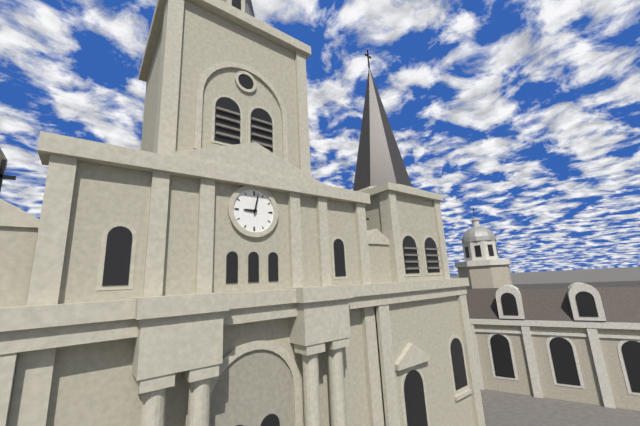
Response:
9,02
